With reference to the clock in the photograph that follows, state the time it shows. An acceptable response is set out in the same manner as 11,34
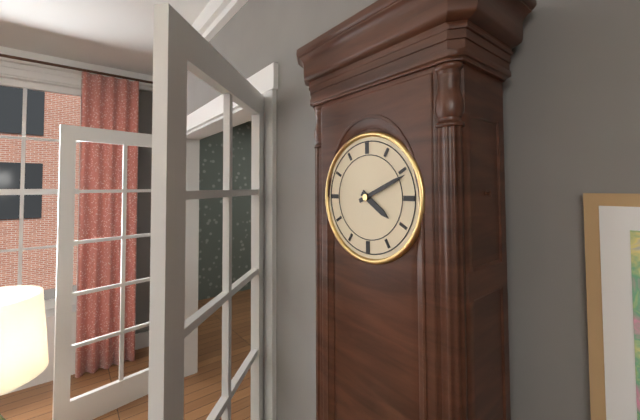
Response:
4,11
